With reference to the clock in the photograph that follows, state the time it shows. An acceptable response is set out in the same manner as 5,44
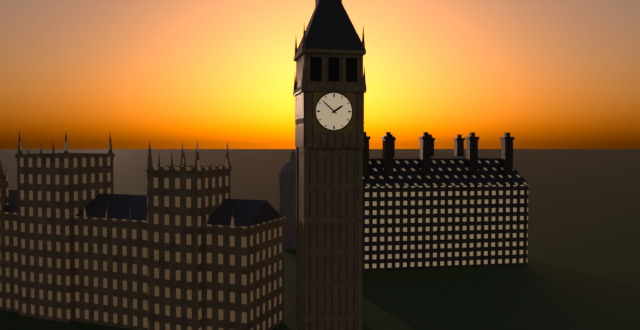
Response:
1,52
